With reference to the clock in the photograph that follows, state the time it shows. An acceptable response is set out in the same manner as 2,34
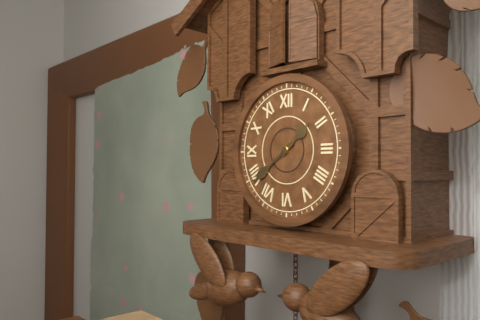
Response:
1,39
